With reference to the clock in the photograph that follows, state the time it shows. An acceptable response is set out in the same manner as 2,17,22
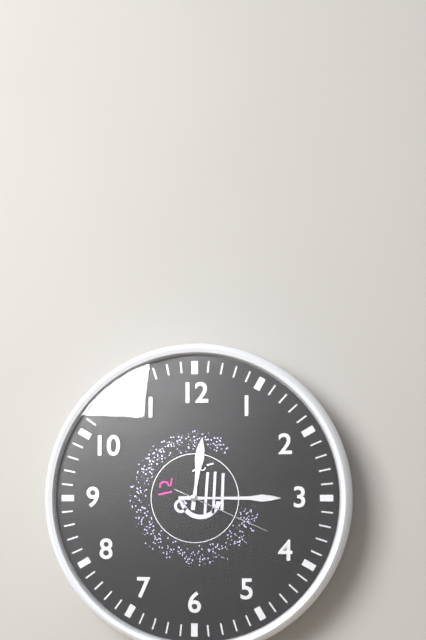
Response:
12,15,19
